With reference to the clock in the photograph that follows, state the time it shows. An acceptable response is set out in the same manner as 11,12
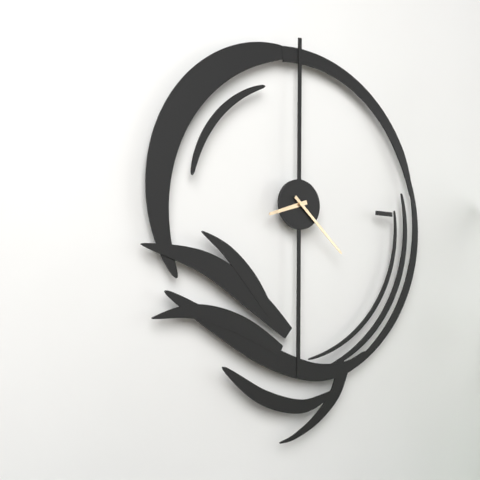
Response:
8,22
